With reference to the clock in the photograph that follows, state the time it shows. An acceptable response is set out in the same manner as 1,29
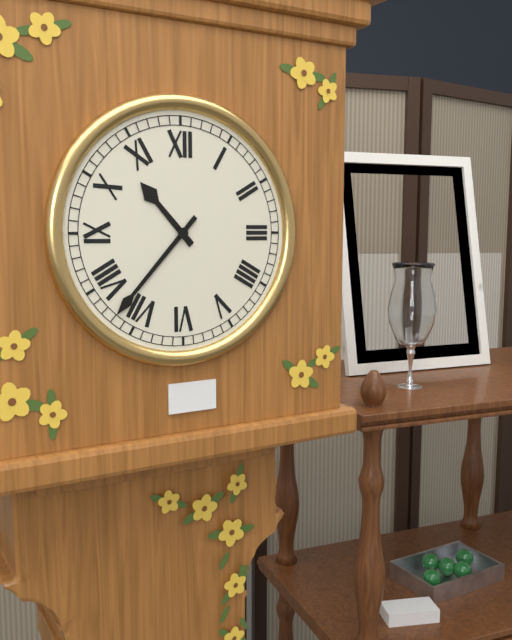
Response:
10,37
